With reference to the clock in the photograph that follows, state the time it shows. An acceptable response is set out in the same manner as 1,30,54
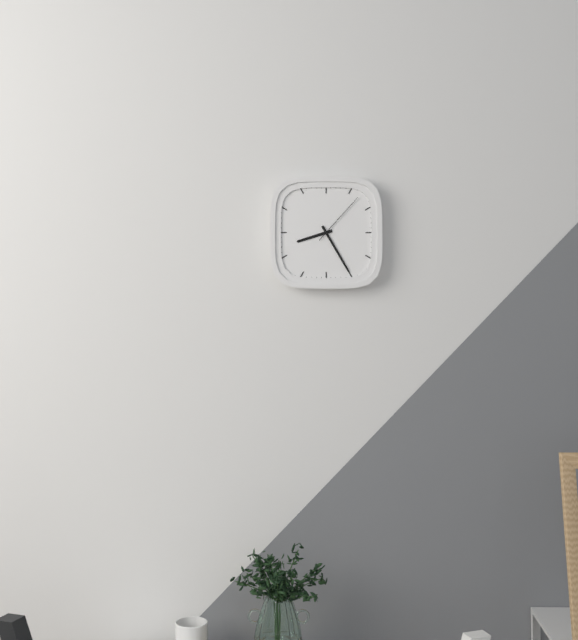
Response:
8,25,07
